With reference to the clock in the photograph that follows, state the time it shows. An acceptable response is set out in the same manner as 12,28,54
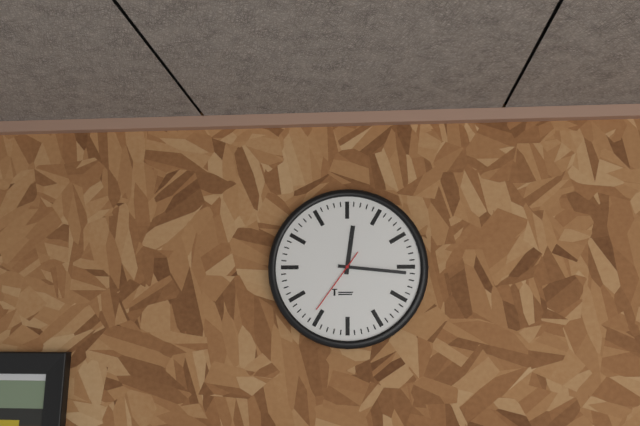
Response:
12,16,36
